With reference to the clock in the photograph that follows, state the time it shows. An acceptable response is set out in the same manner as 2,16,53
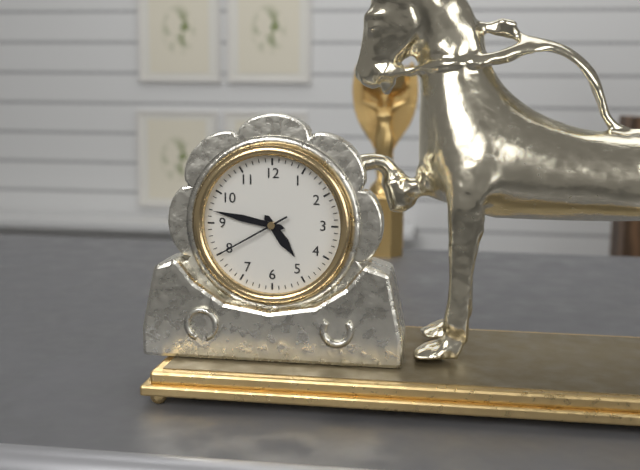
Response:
4,47,40
